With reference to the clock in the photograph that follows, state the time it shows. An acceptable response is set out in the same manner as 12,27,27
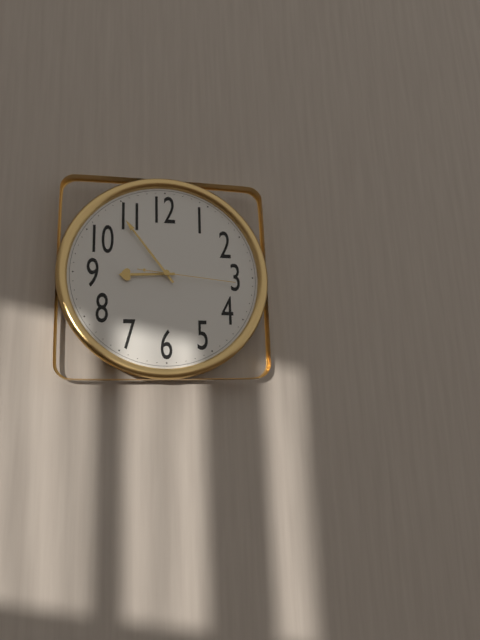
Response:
8,54,16
